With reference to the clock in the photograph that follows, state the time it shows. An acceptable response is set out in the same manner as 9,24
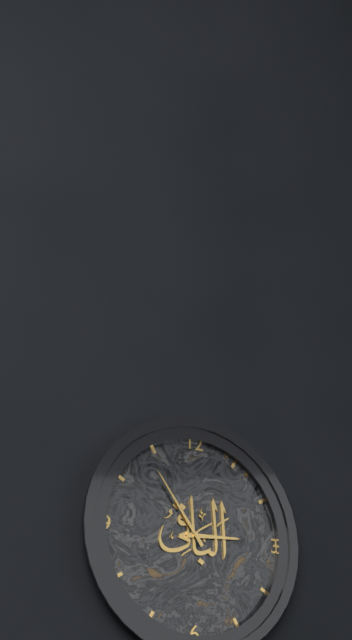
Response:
2,54
